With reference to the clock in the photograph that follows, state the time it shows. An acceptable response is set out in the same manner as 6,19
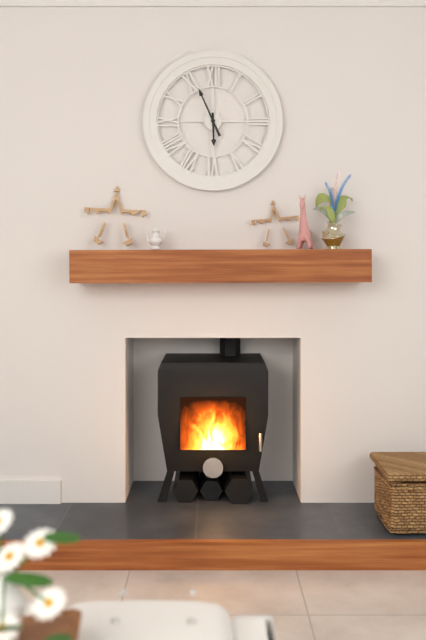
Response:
5,56
